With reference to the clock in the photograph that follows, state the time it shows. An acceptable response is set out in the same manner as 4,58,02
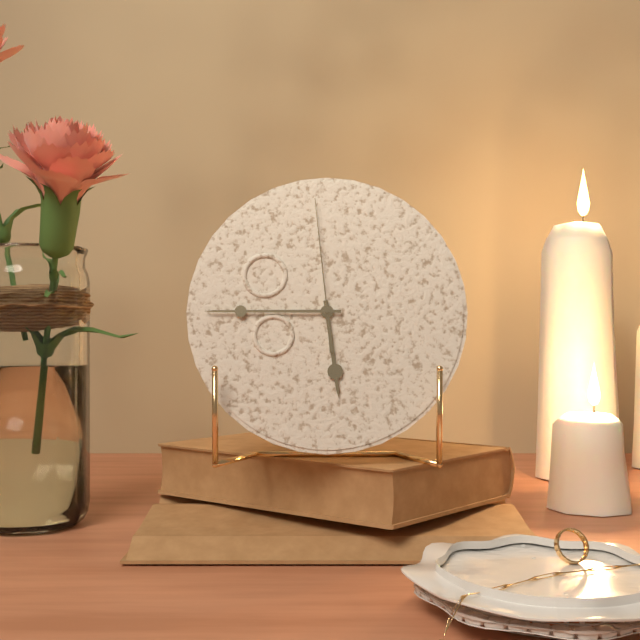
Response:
5,45,59
